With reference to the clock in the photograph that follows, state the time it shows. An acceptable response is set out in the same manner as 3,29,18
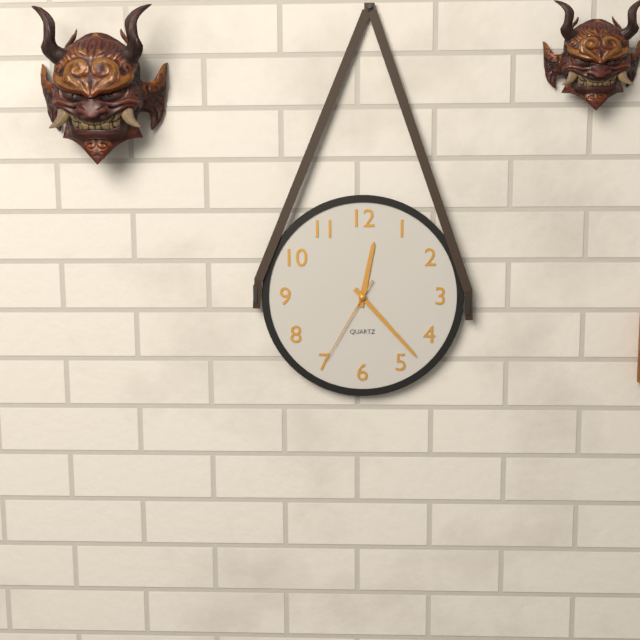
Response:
12,23,35
